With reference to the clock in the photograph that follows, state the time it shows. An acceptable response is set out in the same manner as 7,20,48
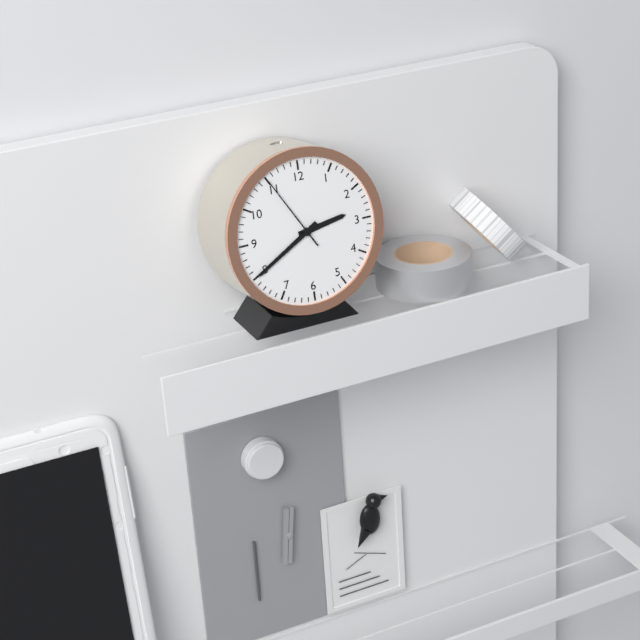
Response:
2,40,55
